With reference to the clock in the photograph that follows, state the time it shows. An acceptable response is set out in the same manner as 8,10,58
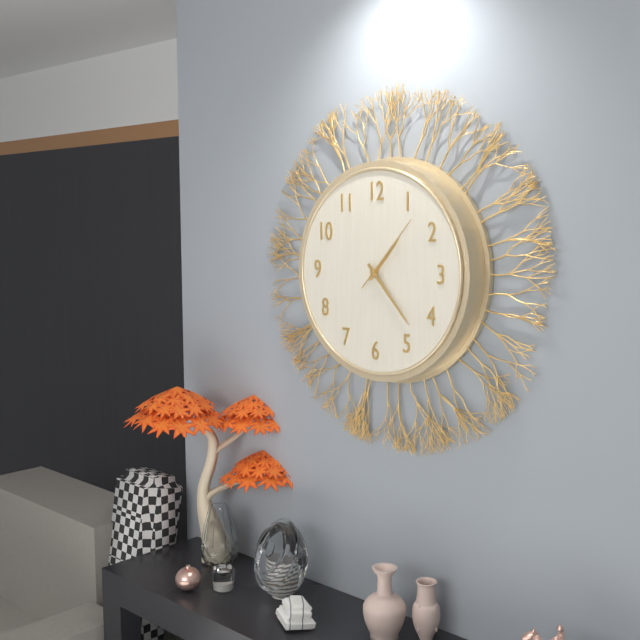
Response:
1,23,07
